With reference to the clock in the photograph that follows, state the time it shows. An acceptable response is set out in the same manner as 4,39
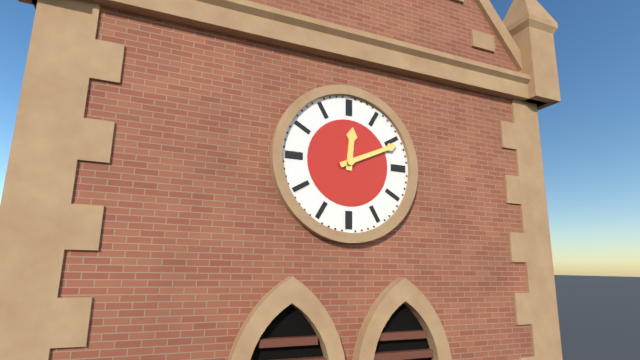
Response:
12,11
